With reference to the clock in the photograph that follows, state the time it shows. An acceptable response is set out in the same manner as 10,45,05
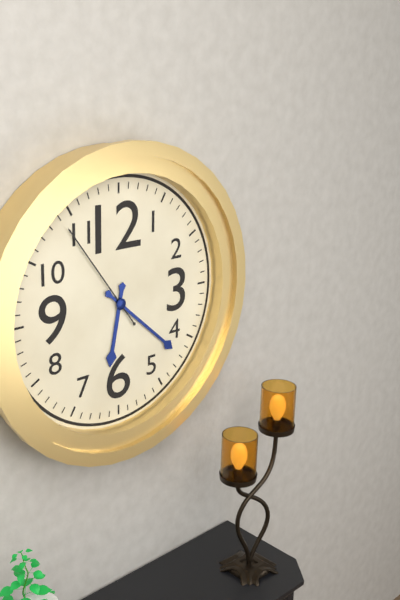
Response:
6,22,54
